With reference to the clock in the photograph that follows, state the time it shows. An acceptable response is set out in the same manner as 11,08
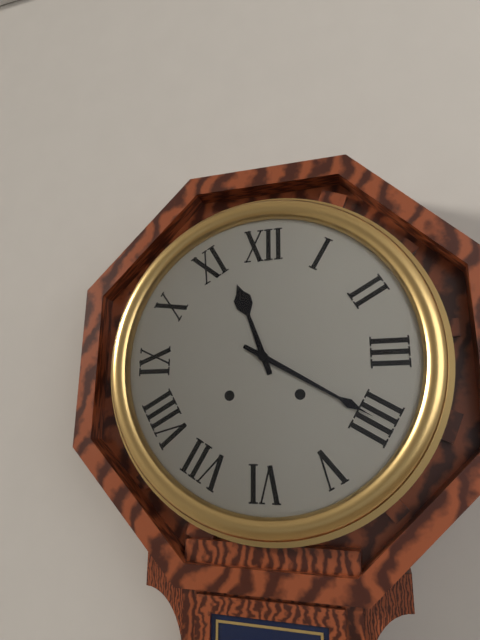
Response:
11,20
